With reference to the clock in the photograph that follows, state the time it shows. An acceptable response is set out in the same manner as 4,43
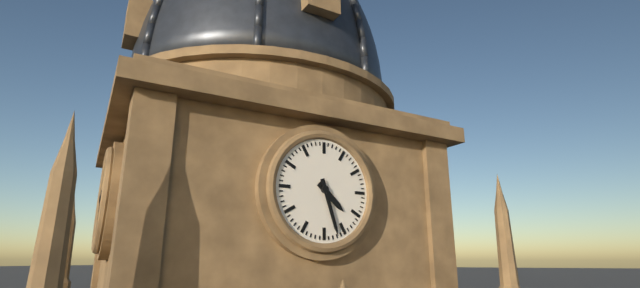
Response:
4,27
